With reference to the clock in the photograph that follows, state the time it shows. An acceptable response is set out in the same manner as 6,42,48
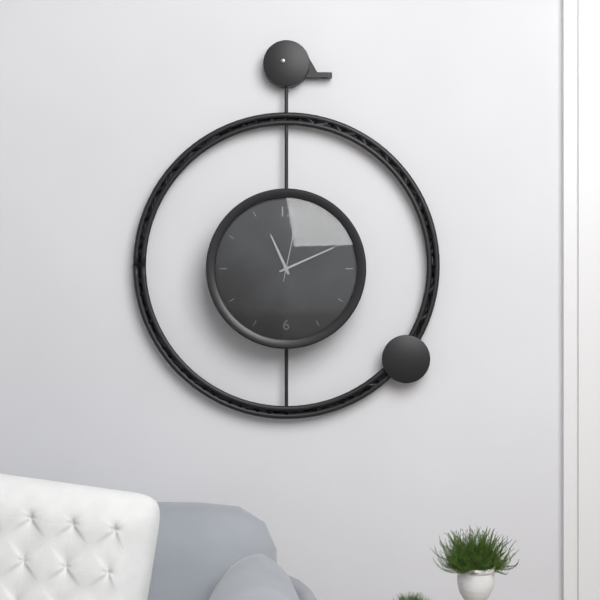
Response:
11,11,02
